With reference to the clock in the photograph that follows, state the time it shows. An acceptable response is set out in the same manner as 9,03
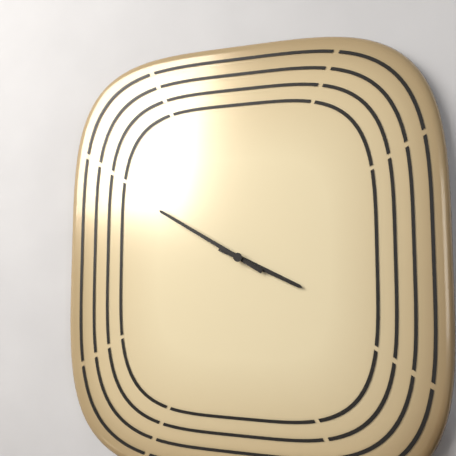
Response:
3,50
